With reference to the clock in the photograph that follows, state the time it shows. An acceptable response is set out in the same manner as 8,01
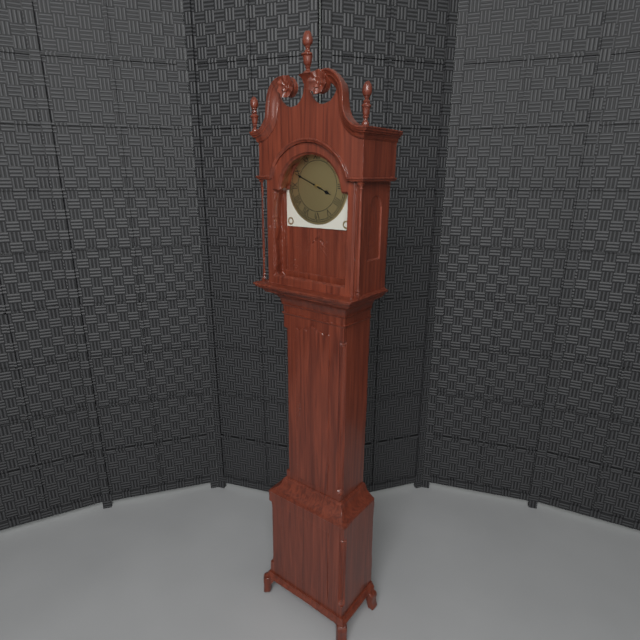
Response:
3,49
